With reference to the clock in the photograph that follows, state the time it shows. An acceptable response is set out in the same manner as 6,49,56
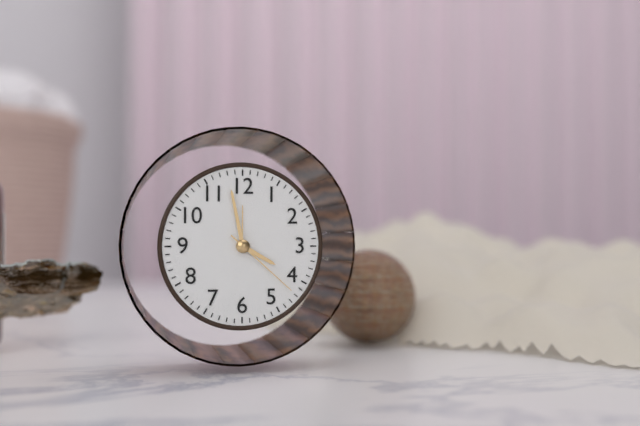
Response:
3,58,22
